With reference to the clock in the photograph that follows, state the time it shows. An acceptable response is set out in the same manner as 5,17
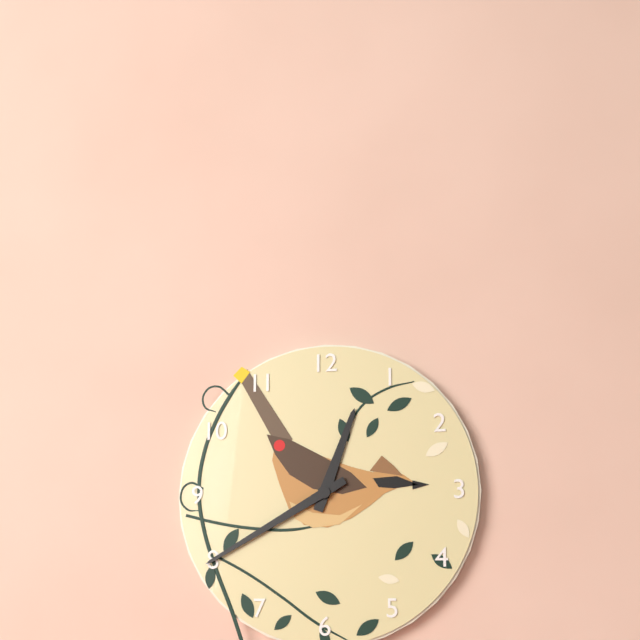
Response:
12,40
